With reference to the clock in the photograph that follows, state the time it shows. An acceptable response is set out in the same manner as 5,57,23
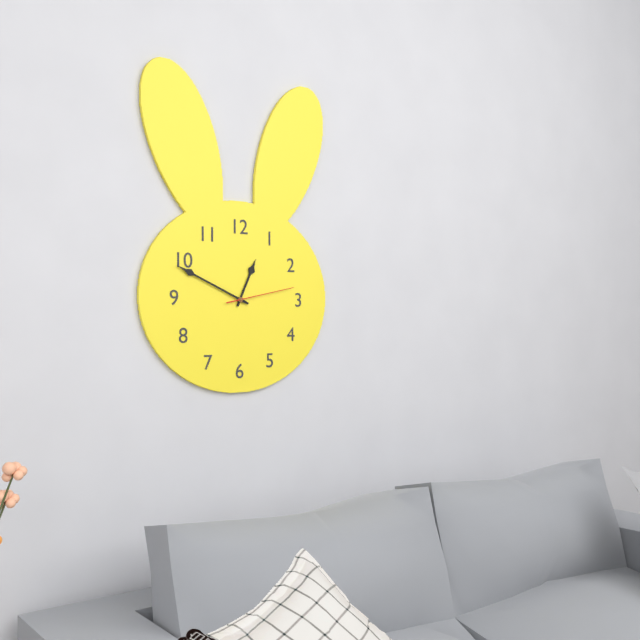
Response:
12,49,13
